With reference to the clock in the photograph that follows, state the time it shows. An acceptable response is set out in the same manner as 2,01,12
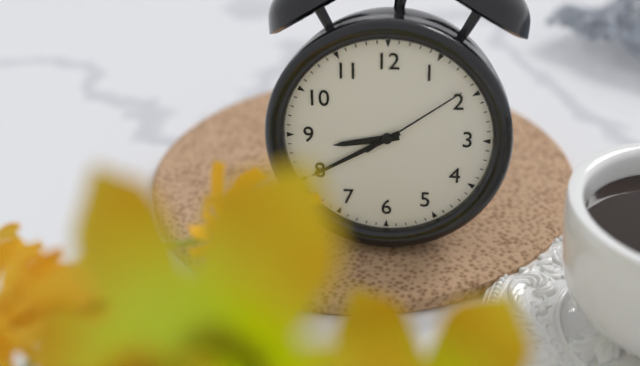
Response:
8,40,09
